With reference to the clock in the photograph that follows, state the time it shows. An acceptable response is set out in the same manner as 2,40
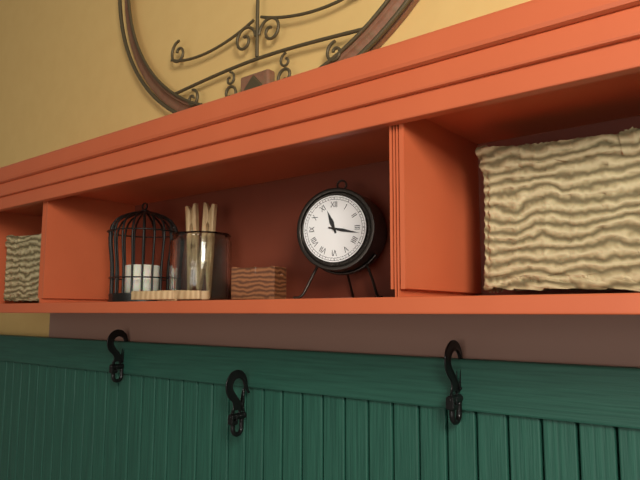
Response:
11,17
